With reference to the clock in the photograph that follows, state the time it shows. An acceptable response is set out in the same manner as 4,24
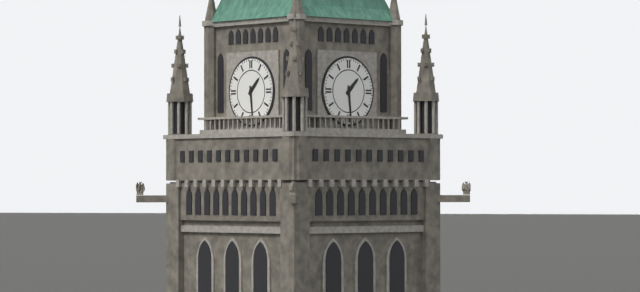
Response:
1,29
